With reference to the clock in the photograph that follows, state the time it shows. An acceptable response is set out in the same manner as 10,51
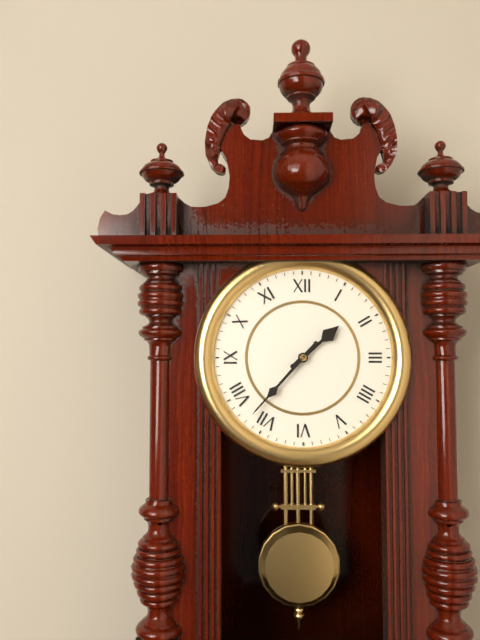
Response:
1,37
